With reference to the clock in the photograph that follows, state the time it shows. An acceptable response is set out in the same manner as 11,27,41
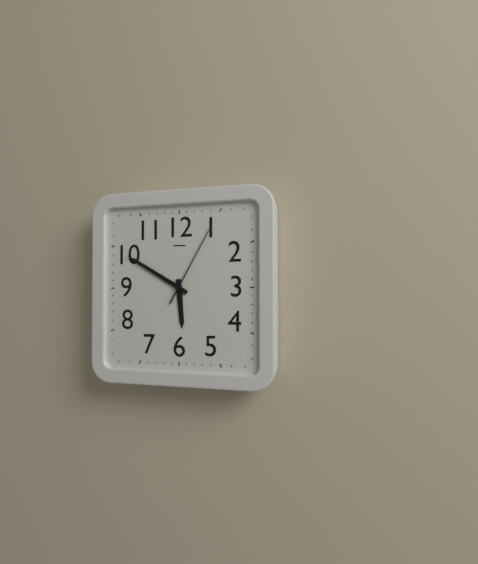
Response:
5,50,05
